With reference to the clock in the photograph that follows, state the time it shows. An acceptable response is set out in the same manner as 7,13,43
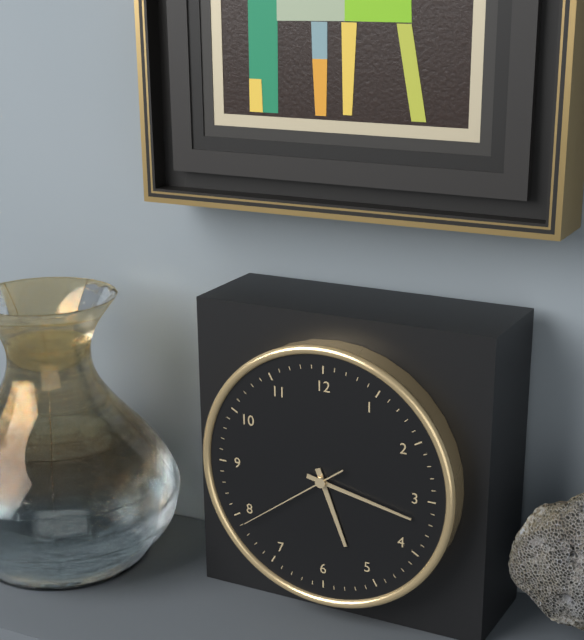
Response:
5,17,39
